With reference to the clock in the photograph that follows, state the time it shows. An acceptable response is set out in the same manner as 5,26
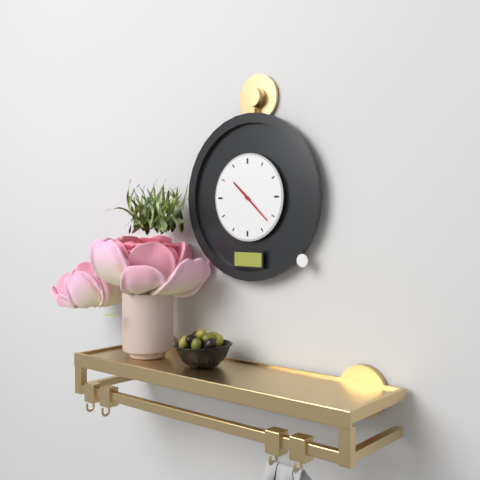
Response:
10,22
